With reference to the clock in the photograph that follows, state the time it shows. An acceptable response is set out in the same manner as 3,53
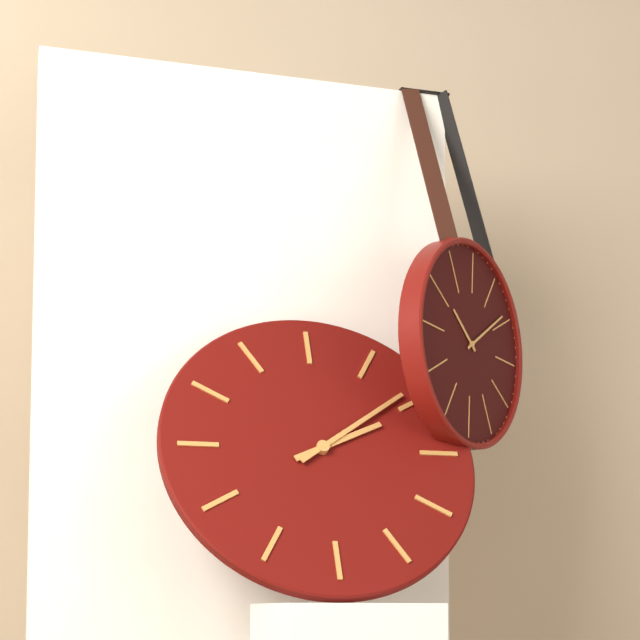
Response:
2,09
